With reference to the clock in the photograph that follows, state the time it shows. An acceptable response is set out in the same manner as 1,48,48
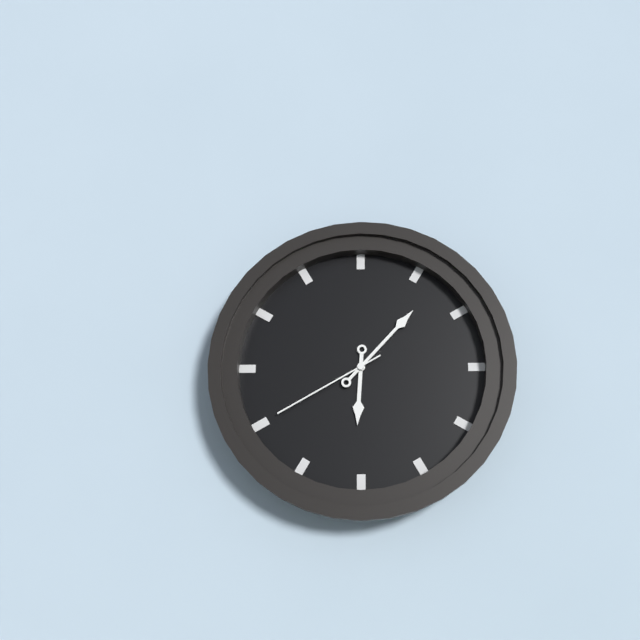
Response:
6,07,40
